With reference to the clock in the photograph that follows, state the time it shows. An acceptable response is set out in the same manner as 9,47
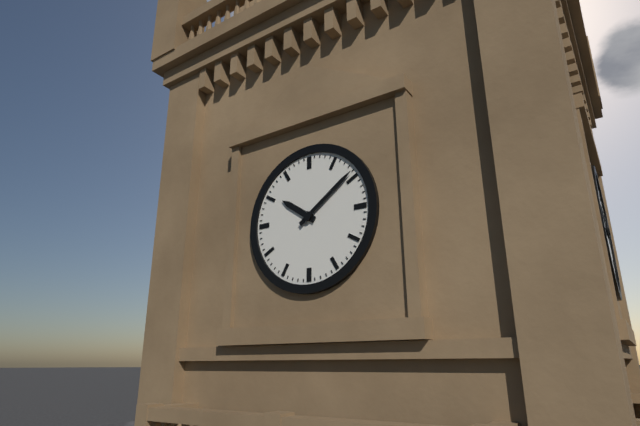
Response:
10,09
